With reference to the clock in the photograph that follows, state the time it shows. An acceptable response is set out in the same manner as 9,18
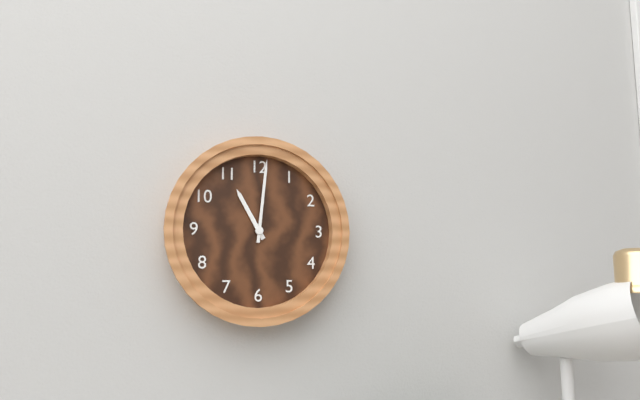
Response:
11,01
